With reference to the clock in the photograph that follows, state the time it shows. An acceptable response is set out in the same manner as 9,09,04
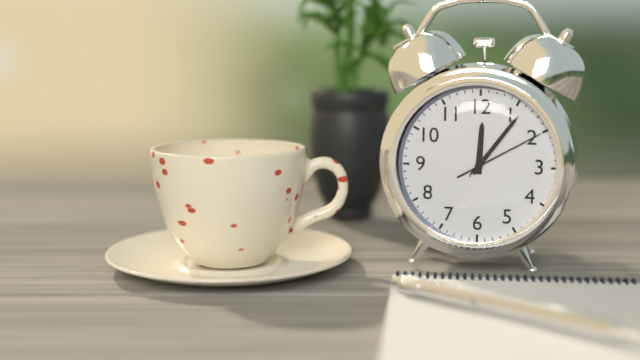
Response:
12,06,10
